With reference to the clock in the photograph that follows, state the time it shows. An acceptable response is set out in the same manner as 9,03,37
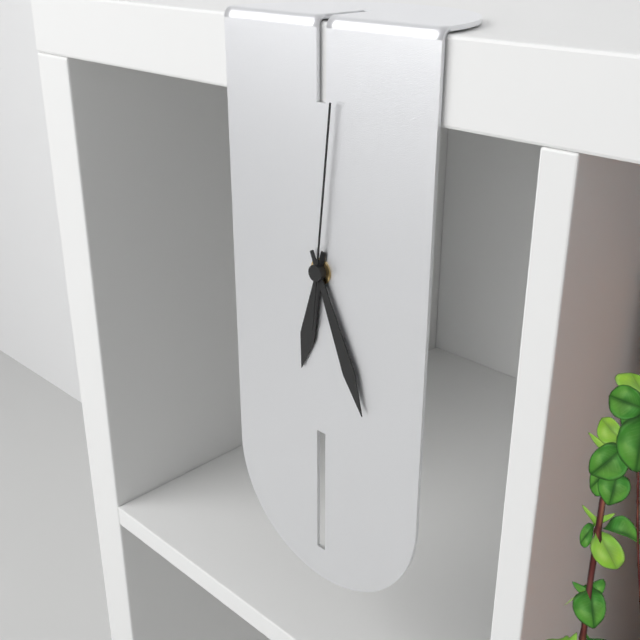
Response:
6,26,01
